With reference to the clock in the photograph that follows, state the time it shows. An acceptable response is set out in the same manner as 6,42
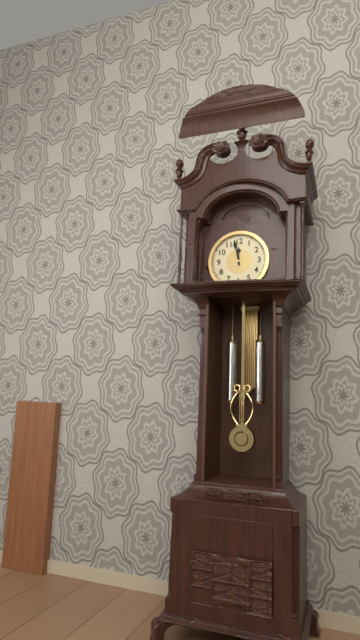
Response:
11,58
